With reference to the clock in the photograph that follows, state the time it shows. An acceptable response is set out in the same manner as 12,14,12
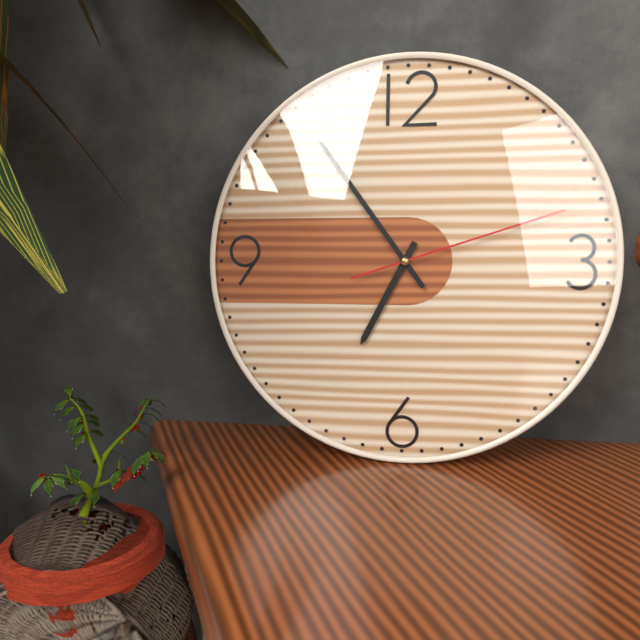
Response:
6,54,12
